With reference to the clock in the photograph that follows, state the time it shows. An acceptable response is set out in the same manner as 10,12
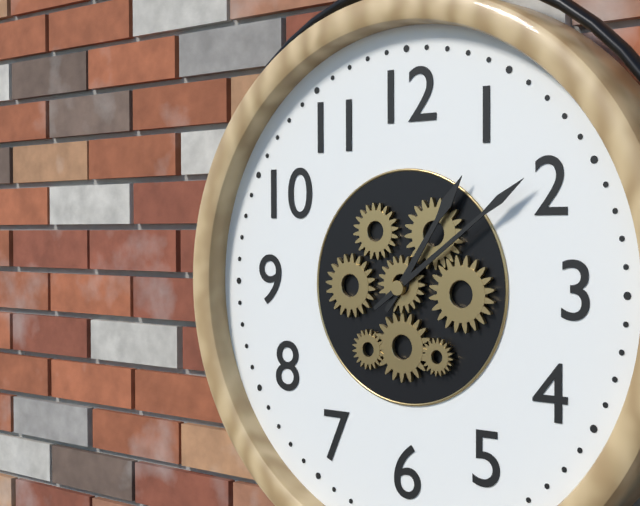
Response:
1,09
